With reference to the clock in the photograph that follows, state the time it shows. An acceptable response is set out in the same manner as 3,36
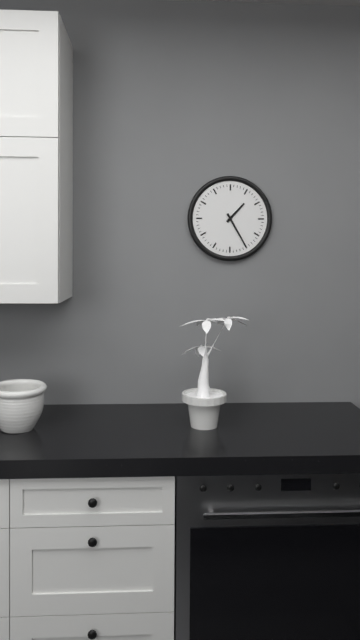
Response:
1,25
